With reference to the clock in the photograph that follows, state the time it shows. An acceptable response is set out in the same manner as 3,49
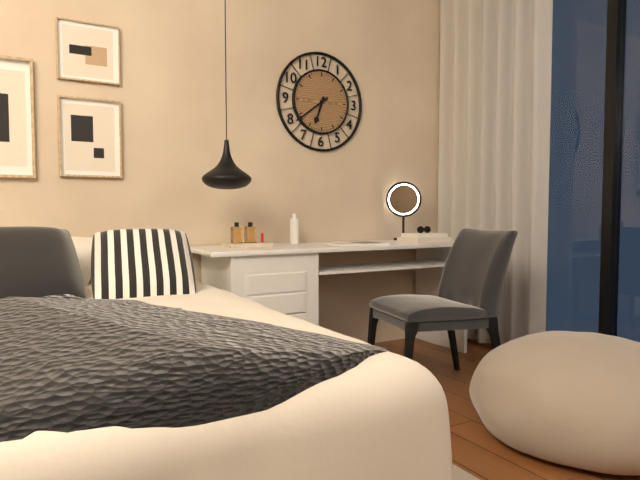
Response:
6,39
